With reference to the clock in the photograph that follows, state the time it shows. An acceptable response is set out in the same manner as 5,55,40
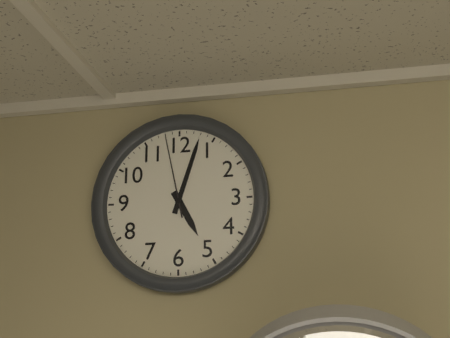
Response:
5,03,58
